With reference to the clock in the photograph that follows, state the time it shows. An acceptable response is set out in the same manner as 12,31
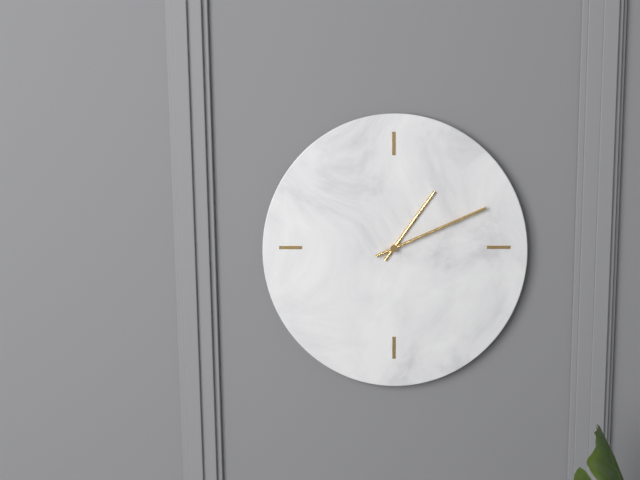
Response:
1,11
